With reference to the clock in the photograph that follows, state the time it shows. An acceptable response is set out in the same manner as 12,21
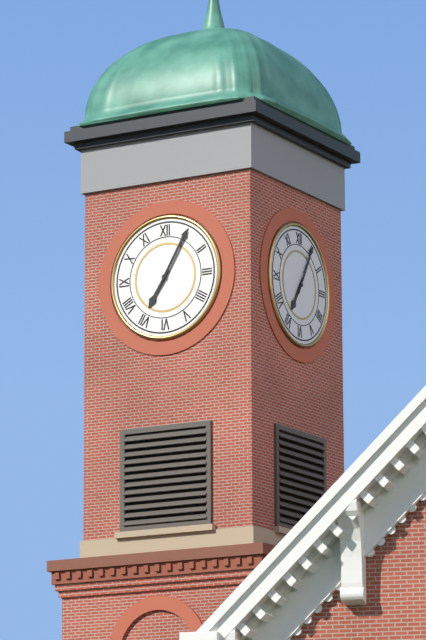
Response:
7,05
